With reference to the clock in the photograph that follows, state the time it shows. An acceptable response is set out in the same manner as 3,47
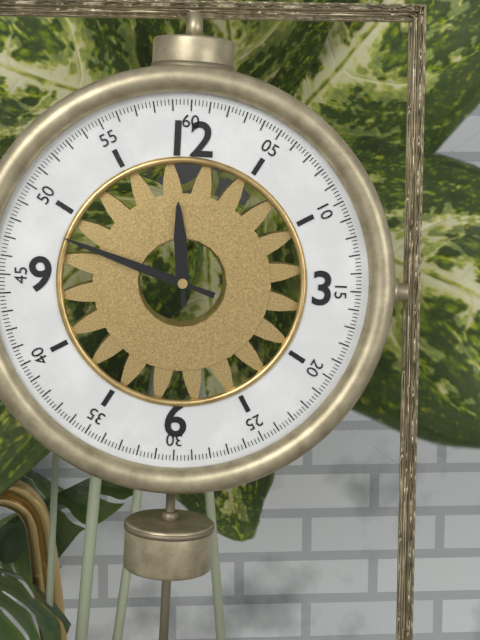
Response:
11,48
